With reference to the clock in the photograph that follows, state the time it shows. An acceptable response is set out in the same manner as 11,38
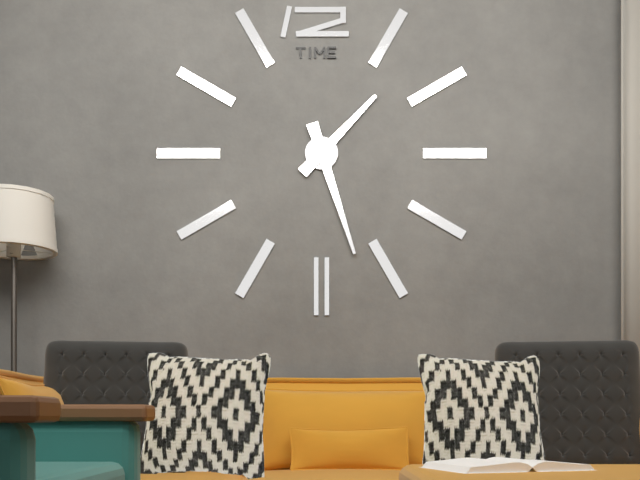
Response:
1,27
